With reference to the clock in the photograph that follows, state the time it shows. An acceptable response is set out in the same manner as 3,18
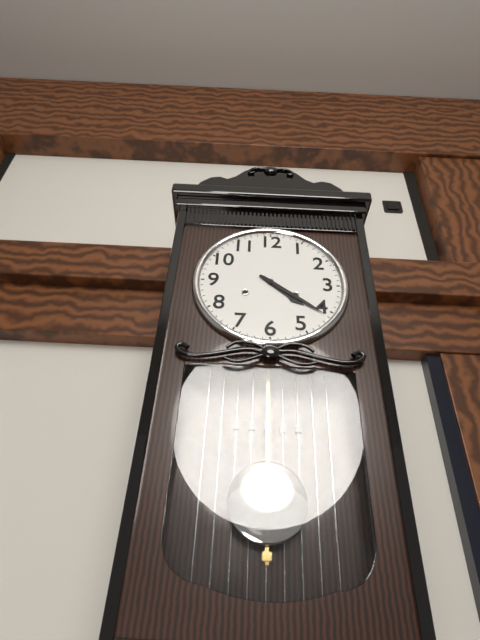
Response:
4,21
